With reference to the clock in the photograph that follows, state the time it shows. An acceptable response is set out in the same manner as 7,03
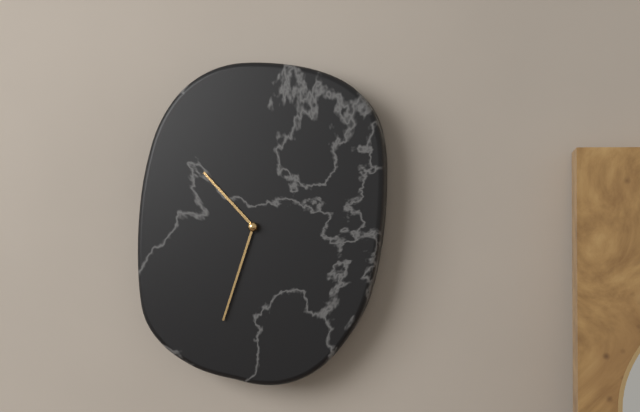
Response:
10,33
